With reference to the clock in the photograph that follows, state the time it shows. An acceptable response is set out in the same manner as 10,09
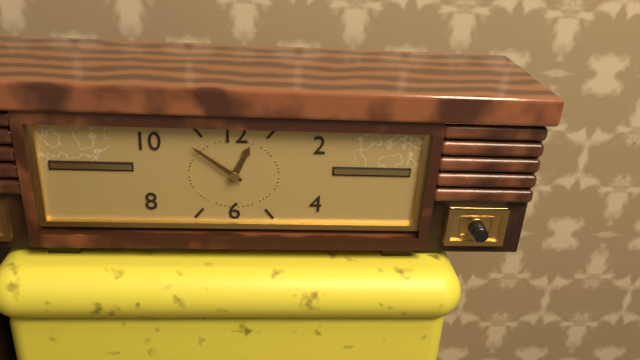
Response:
12,51
